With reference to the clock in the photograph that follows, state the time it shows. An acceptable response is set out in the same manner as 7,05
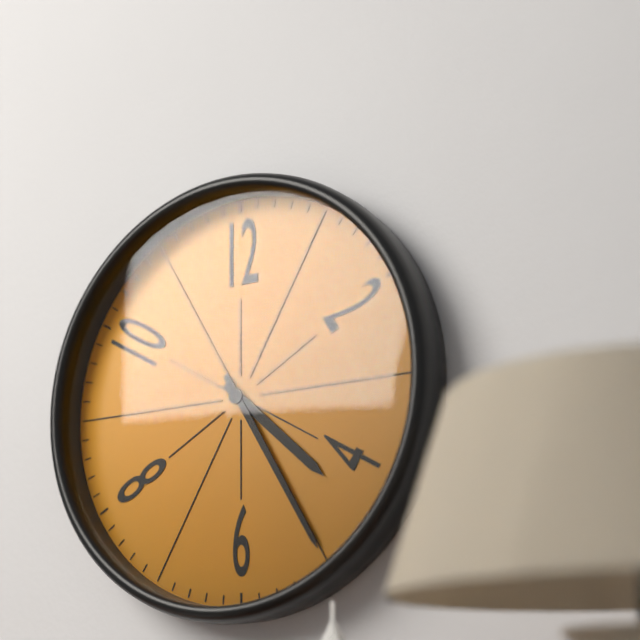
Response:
4,25
